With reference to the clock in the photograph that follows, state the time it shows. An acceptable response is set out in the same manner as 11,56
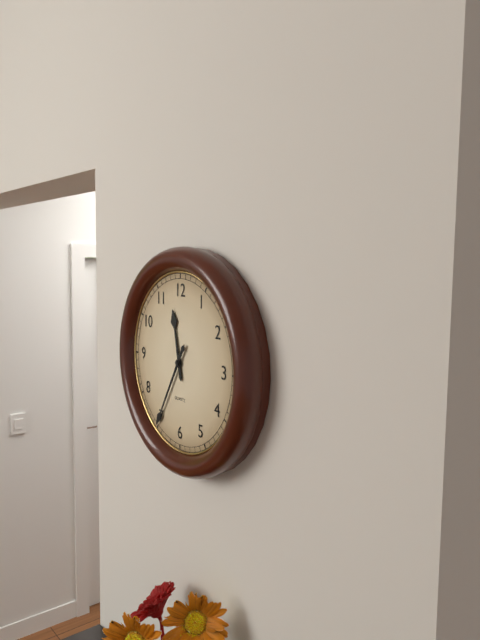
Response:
11,35
